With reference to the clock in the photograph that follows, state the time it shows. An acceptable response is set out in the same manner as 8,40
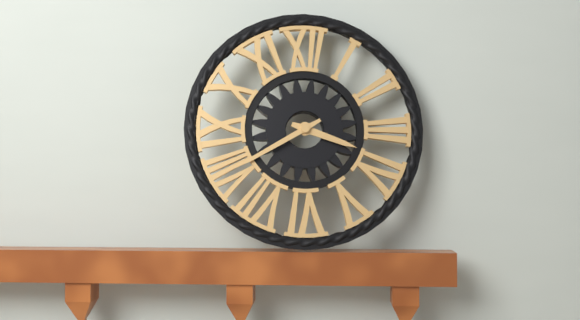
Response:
3,40
